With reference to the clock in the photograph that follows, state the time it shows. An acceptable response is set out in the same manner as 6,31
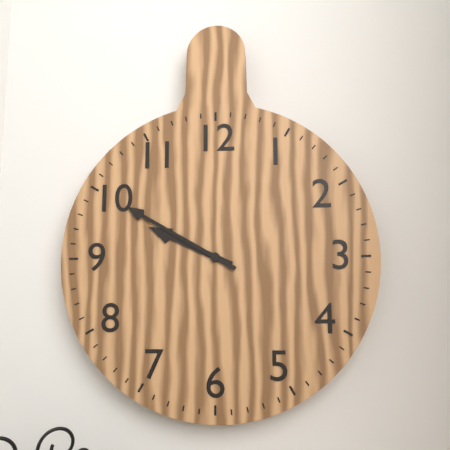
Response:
9,50
